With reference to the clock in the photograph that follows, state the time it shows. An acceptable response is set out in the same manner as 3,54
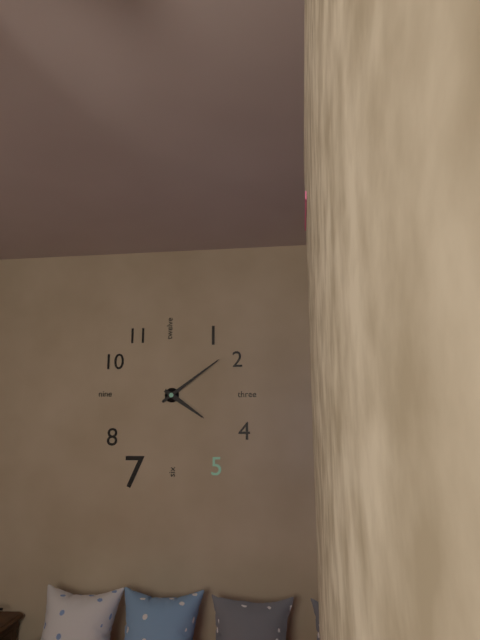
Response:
4,09
